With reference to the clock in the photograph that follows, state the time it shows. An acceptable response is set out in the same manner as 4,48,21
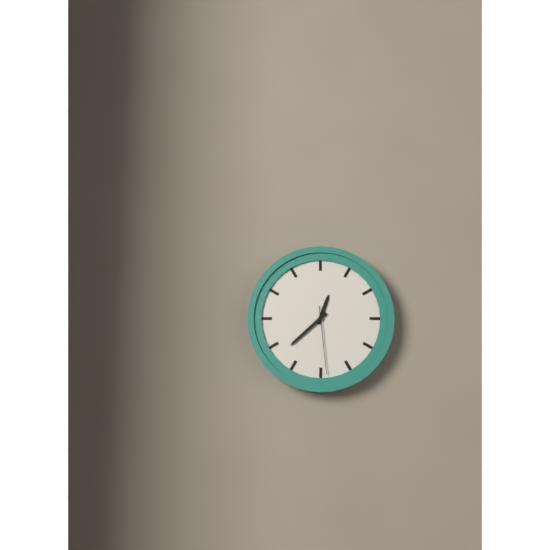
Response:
12,38,29
